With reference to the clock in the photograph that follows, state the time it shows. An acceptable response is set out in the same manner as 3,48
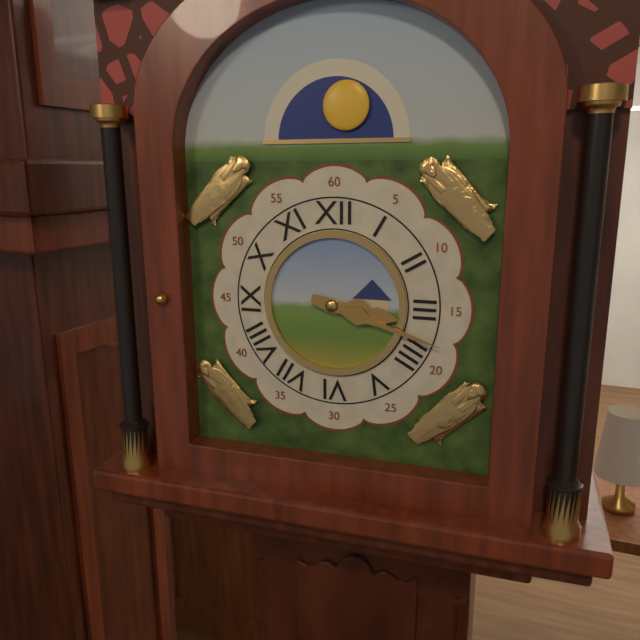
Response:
3,18
